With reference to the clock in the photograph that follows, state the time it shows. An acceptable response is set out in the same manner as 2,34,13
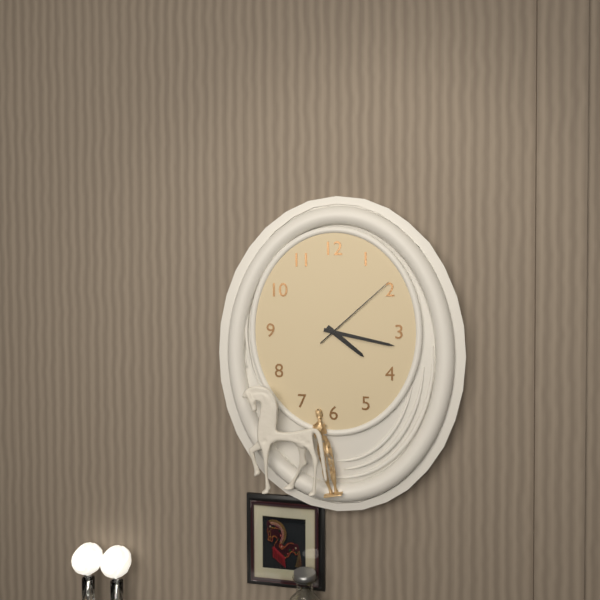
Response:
4,17,08
